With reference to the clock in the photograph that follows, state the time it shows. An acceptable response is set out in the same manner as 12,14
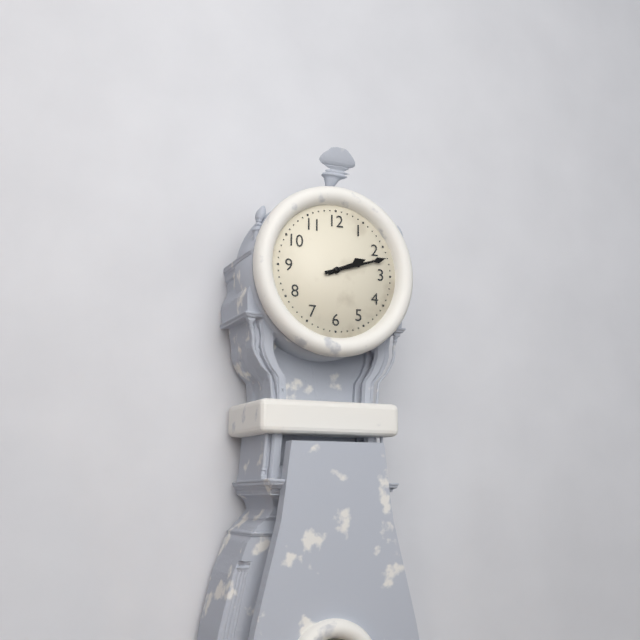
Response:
2,12
